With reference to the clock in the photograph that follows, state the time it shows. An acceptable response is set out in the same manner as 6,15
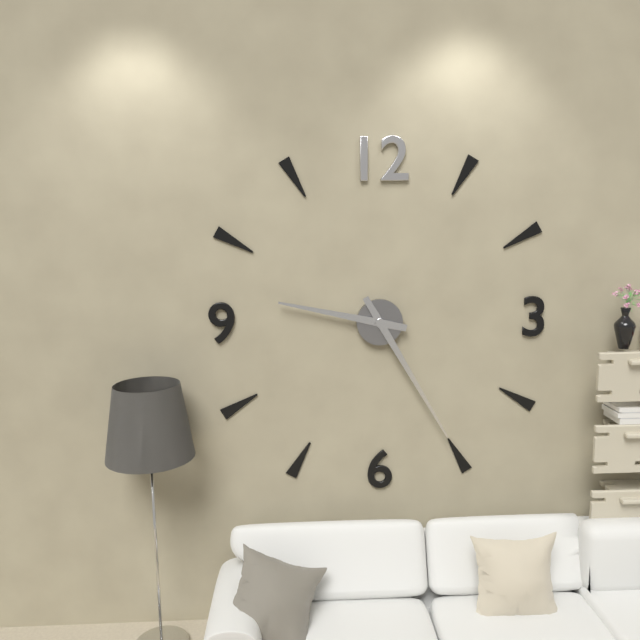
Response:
9,25
